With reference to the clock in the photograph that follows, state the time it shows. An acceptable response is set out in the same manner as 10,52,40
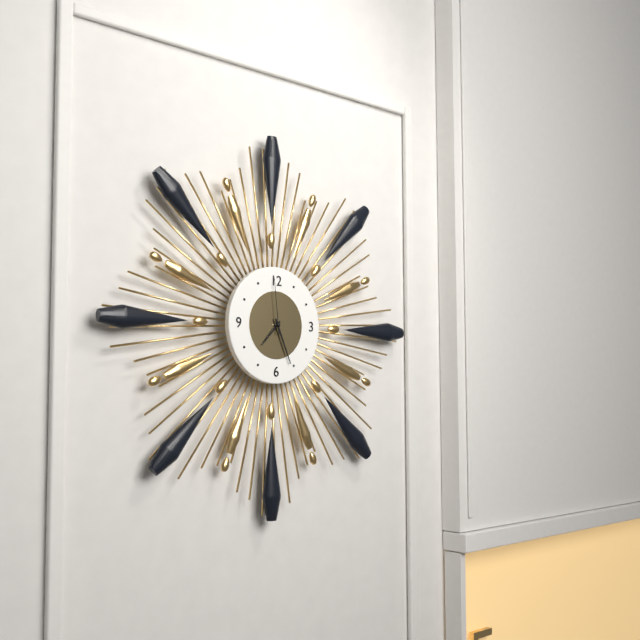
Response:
7,26,59
